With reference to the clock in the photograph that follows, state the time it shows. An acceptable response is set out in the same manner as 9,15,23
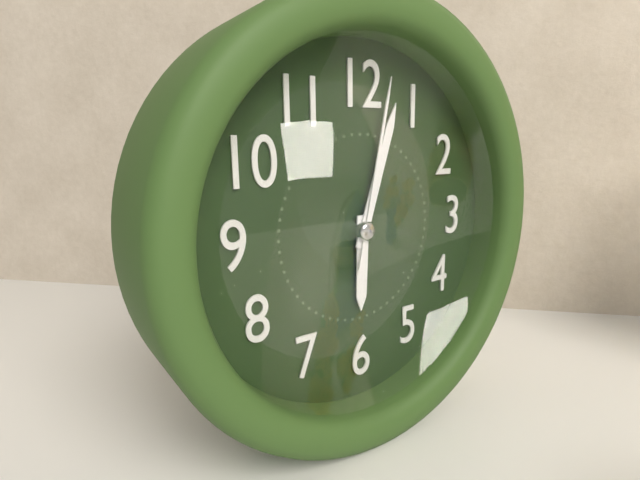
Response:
6,03,02
